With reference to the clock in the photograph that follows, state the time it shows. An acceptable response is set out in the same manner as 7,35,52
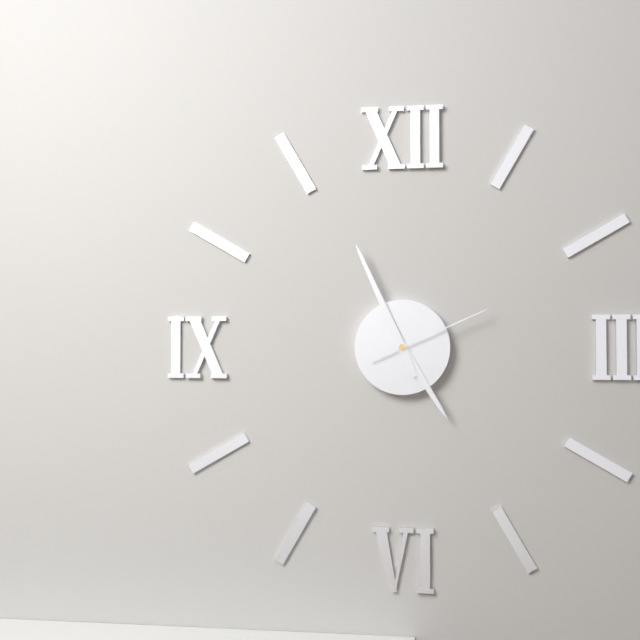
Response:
4,56,11
